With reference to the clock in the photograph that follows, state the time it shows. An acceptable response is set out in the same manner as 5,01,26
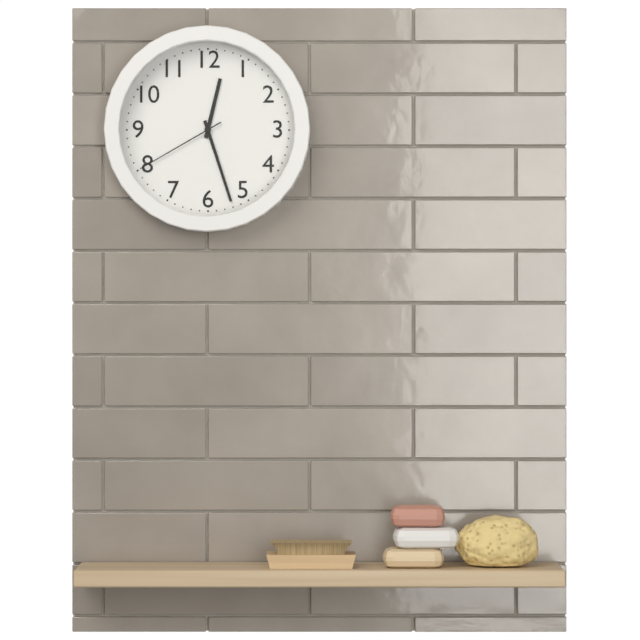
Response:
12,27,40
